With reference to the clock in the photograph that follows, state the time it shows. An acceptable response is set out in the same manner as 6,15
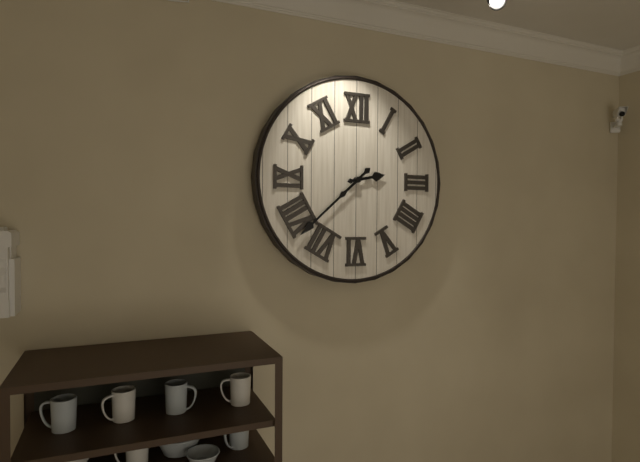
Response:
2,38
